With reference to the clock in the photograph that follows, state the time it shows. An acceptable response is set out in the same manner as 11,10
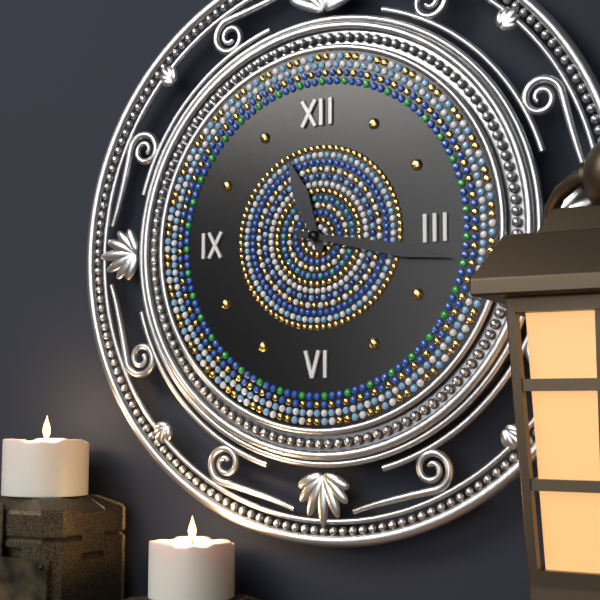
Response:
11,17
